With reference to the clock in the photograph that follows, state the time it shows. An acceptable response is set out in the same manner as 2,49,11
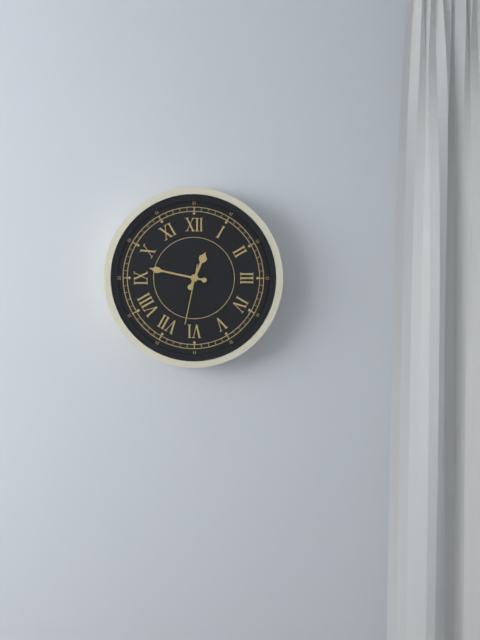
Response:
12,47,32
